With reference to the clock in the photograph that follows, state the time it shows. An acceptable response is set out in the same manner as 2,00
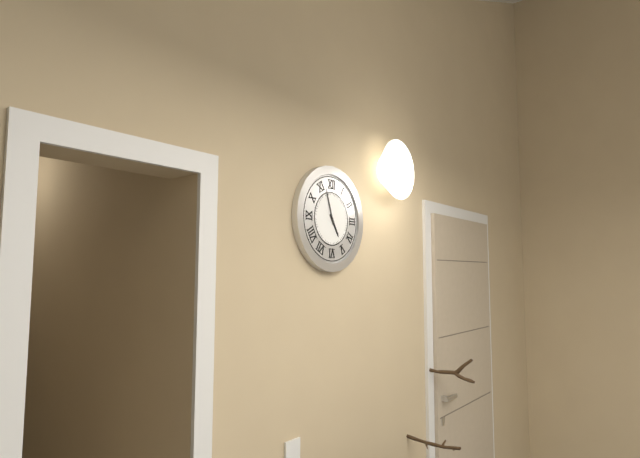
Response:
4,57
